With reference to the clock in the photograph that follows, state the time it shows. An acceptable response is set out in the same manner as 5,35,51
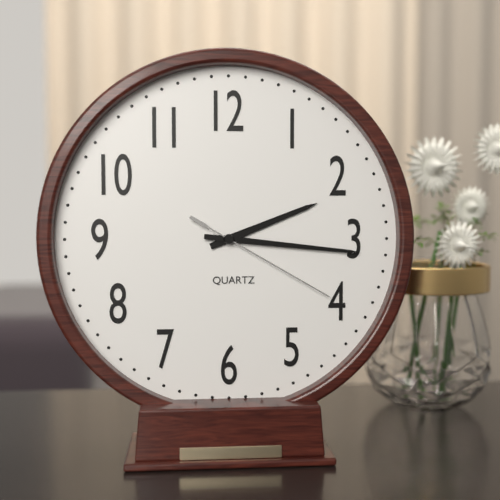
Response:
2,16,20
